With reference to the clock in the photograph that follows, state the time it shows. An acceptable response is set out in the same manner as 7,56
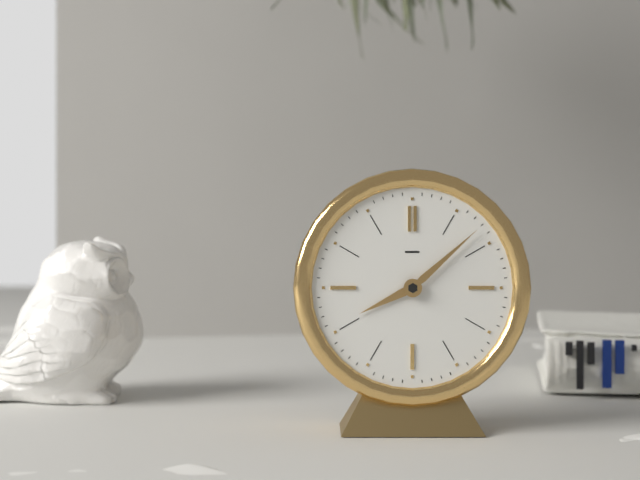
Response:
8,08
